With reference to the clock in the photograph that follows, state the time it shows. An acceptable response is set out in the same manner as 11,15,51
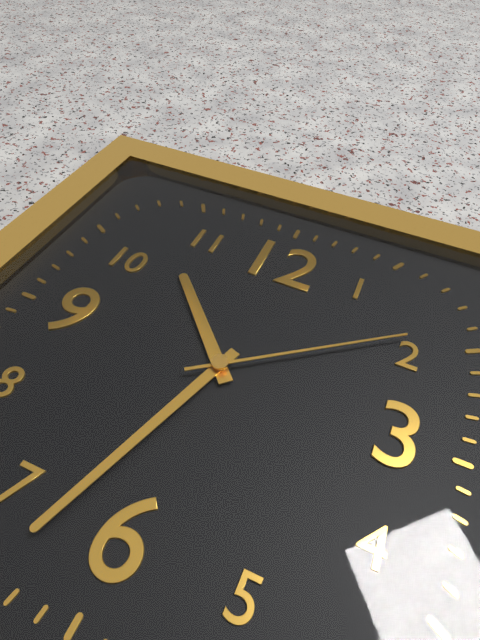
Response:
10,33,09
